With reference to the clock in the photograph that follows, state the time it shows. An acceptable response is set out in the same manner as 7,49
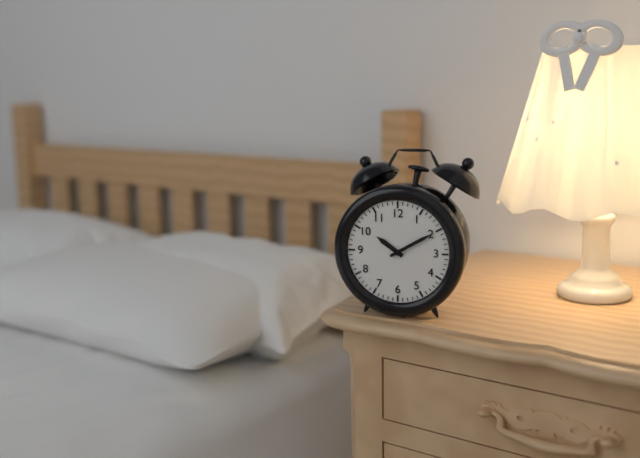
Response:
10,10
